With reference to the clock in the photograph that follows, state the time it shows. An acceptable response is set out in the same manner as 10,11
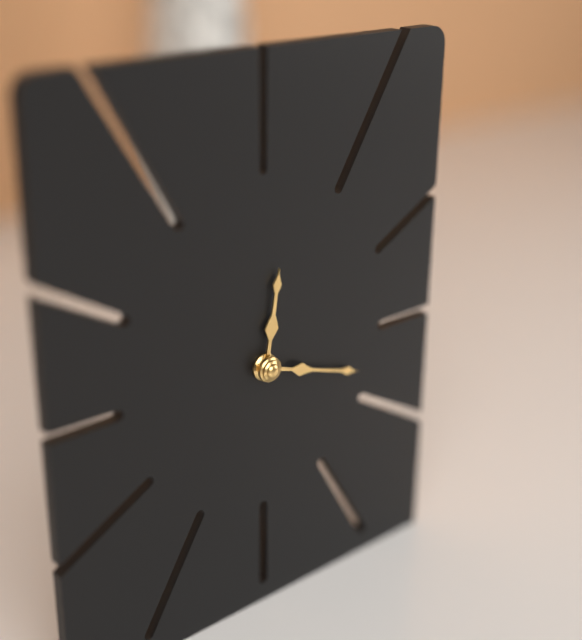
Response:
12,18
